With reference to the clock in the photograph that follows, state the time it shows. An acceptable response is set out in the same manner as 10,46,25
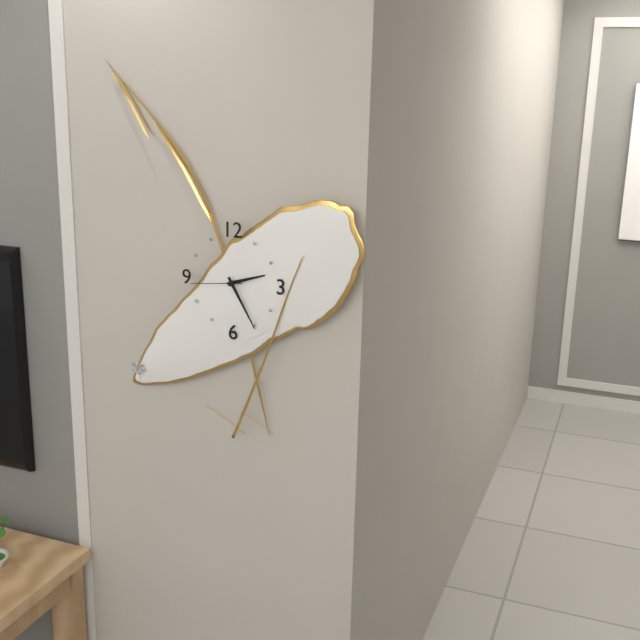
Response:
2,25,44
